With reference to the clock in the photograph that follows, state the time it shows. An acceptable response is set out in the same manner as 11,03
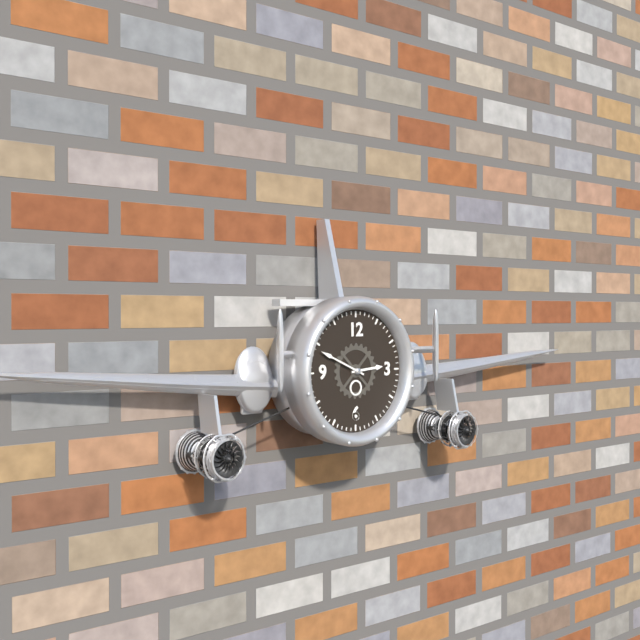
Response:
2,49
